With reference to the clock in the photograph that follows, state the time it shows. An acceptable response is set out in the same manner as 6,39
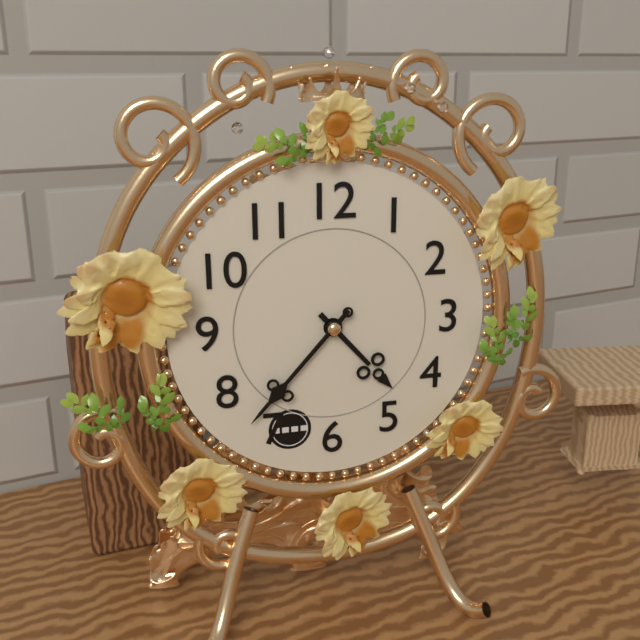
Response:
4,37
